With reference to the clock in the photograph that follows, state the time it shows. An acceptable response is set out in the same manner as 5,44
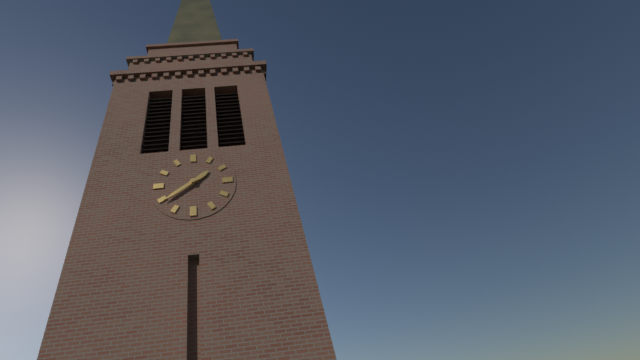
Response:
1,39
